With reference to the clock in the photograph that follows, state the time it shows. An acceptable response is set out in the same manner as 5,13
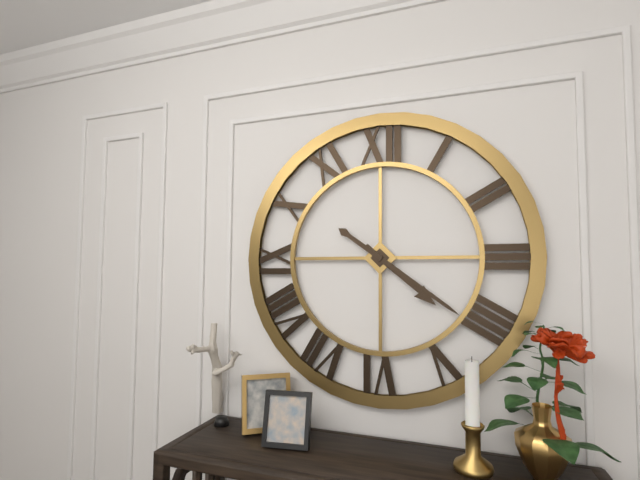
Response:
4,21
